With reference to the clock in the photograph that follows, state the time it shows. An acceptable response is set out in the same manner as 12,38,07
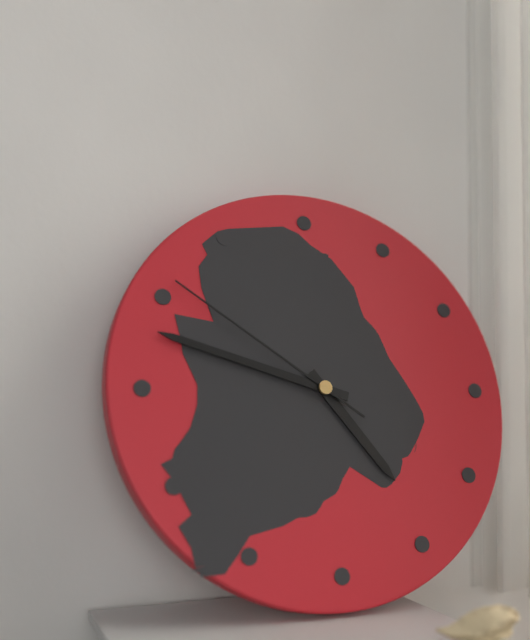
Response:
4,48,51
